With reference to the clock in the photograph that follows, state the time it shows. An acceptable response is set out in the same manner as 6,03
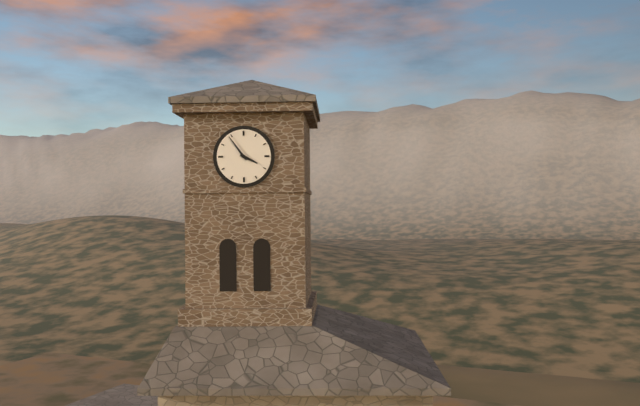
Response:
3,54
